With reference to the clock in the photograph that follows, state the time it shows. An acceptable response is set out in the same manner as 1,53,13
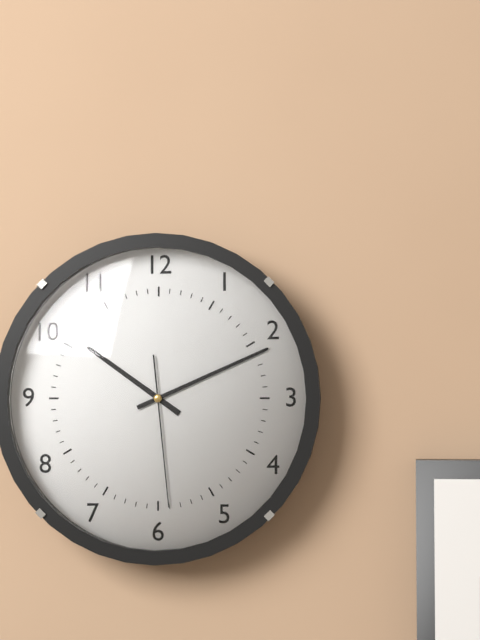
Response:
10,11,29
